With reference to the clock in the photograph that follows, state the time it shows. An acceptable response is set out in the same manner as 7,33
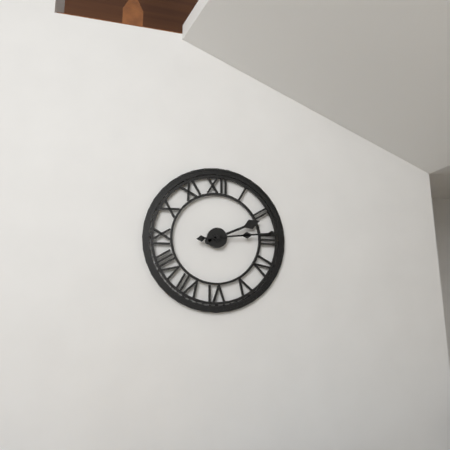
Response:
2,14
